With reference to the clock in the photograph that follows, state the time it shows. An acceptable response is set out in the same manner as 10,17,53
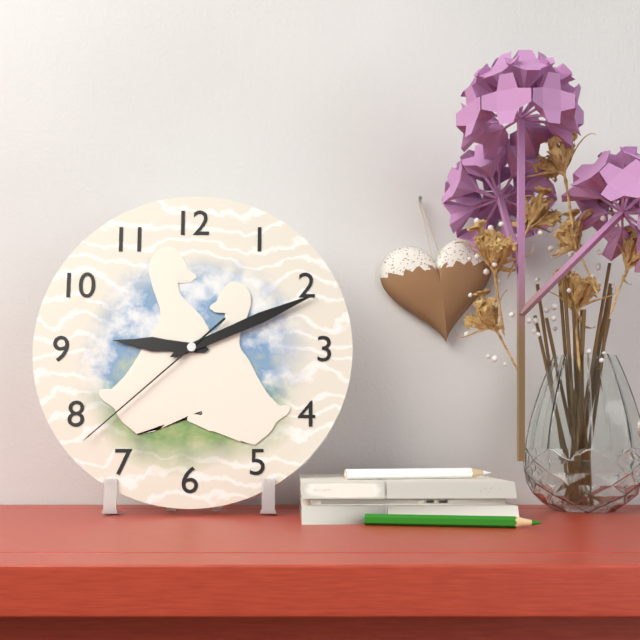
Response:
9,11,38
